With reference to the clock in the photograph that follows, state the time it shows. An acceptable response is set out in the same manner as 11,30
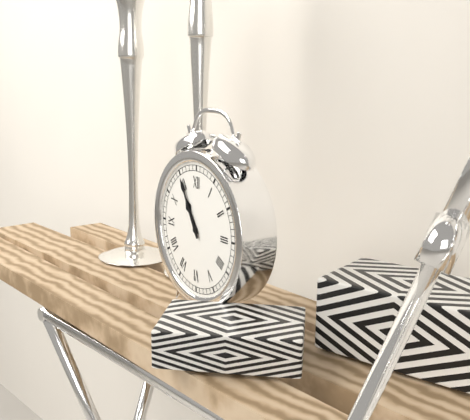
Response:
10,55
